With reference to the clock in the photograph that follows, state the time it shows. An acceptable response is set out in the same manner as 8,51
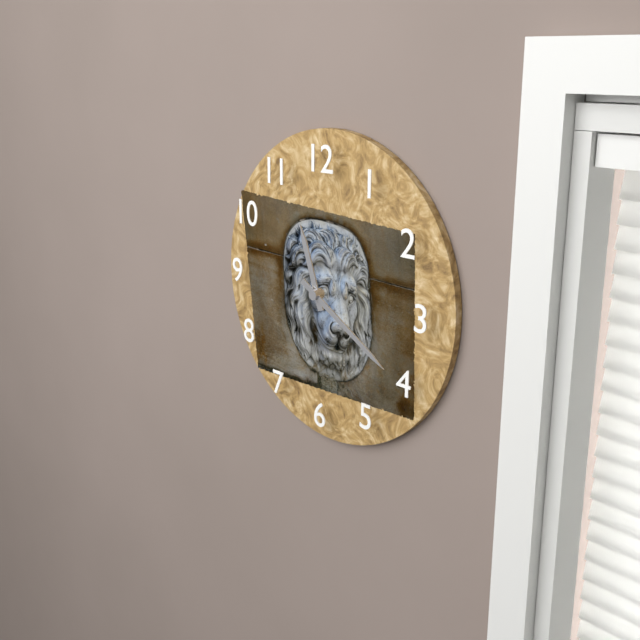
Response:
11,20
